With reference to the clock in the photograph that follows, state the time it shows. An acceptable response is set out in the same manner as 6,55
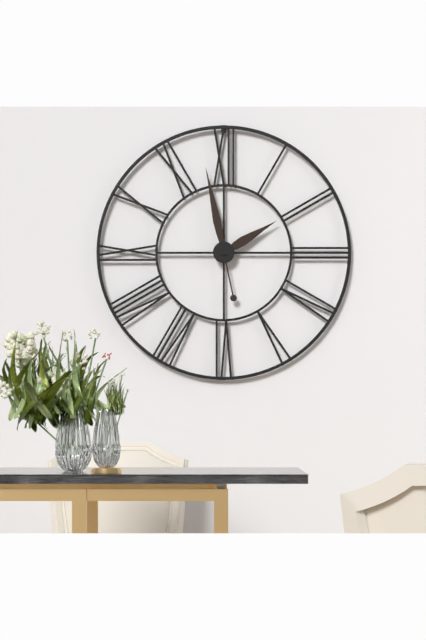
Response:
1,58
